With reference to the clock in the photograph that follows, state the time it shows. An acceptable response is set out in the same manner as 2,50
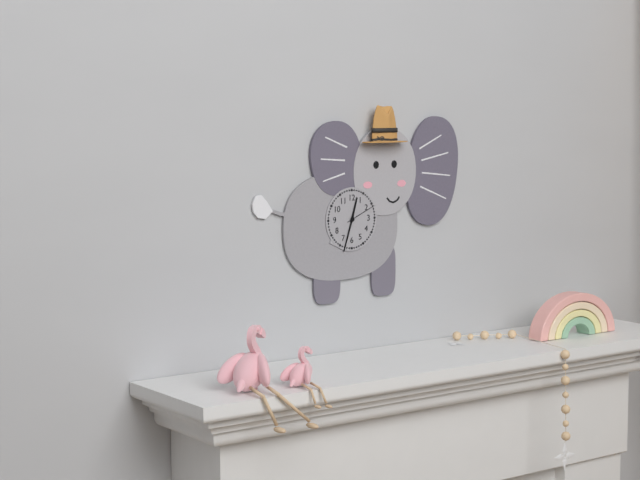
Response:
12,33
